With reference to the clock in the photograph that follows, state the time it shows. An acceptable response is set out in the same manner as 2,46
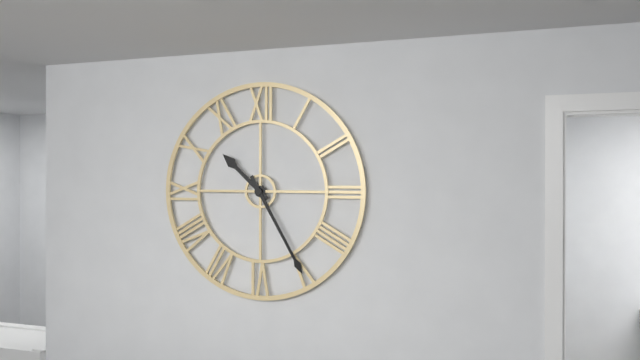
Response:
10,25
